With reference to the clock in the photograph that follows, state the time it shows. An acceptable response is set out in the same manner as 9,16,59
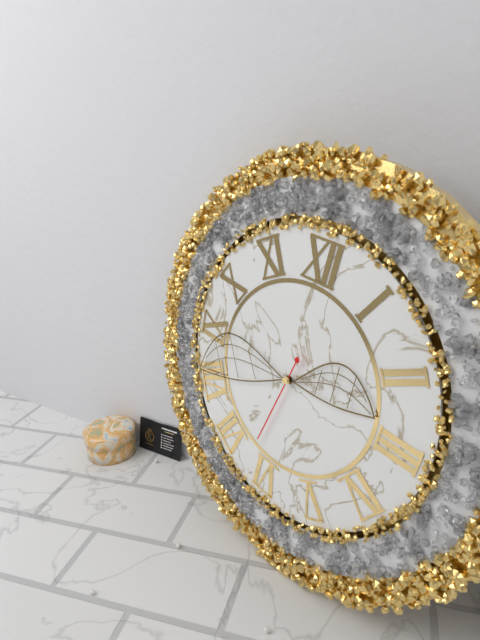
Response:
2,41,32
